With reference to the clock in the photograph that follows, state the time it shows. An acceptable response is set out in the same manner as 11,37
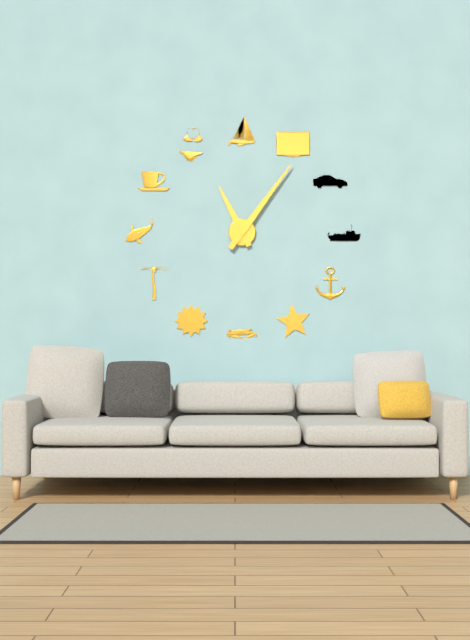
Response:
11,06
